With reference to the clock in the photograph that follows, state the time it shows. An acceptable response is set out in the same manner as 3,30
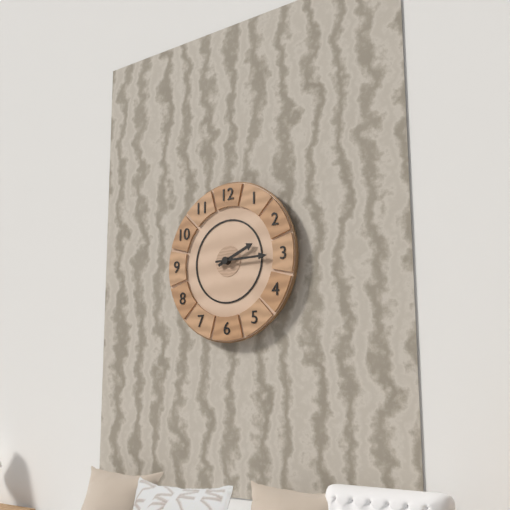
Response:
2,15
